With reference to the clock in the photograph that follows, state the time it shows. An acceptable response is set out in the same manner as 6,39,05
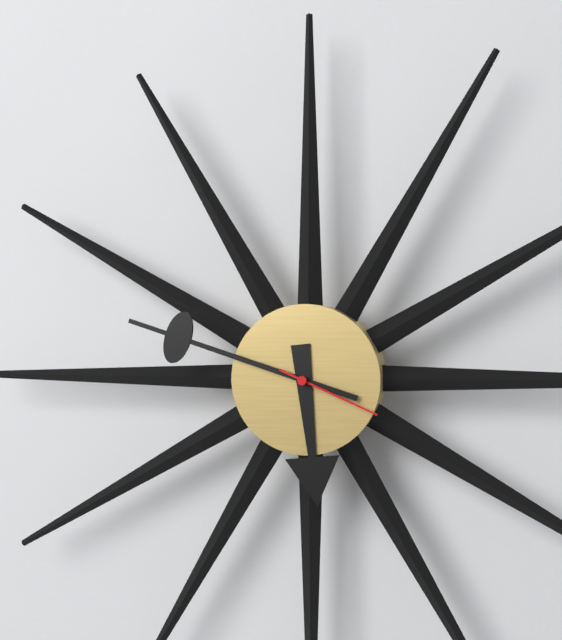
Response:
5,48,19
